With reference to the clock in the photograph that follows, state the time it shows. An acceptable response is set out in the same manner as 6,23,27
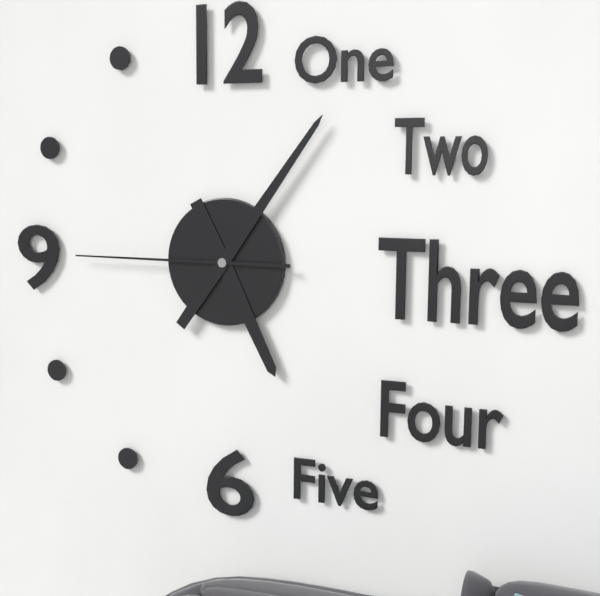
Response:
5,06,45
